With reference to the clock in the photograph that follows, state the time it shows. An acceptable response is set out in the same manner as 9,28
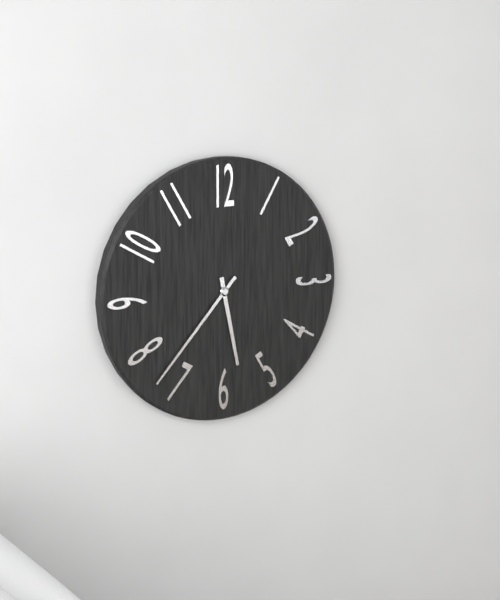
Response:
5,37
